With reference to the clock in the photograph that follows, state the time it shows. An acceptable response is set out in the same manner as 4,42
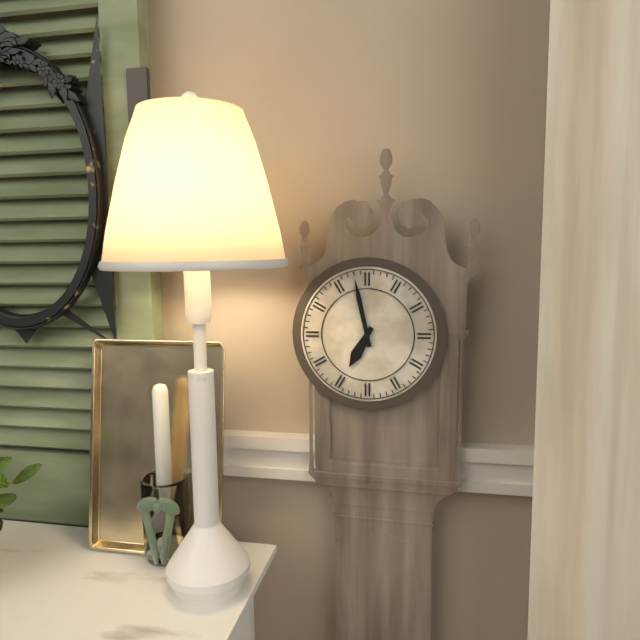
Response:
6,58
